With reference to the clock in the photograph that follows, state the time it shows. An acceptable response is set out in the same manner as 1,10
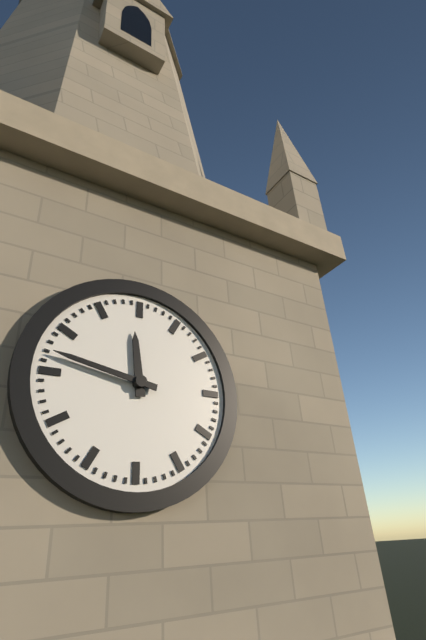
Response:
11,47
